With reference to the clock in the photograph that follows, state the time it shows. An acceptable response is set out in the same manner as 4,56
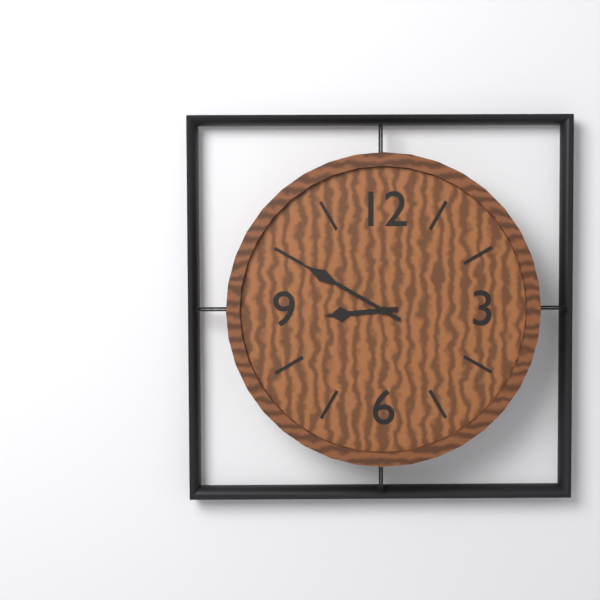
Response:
8,50
